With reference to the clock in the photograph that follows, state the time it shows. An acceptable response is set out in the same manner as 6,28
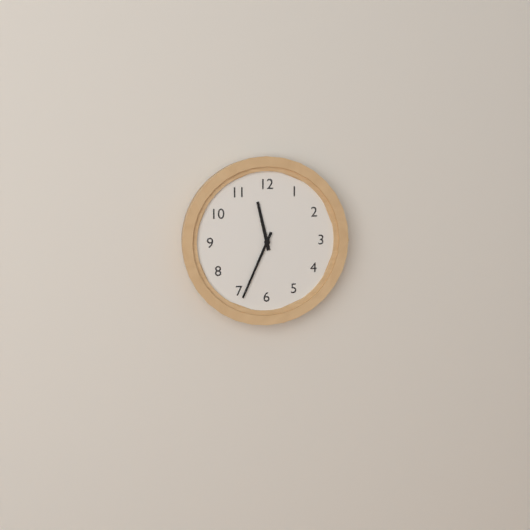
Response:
11,34
